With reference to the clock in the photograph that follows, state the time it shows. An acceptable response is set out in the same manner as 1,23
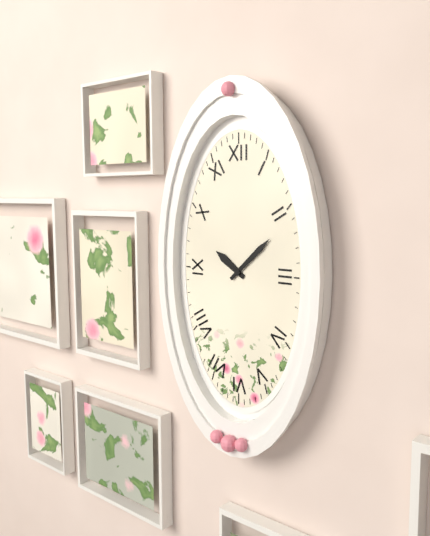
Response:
10,08
